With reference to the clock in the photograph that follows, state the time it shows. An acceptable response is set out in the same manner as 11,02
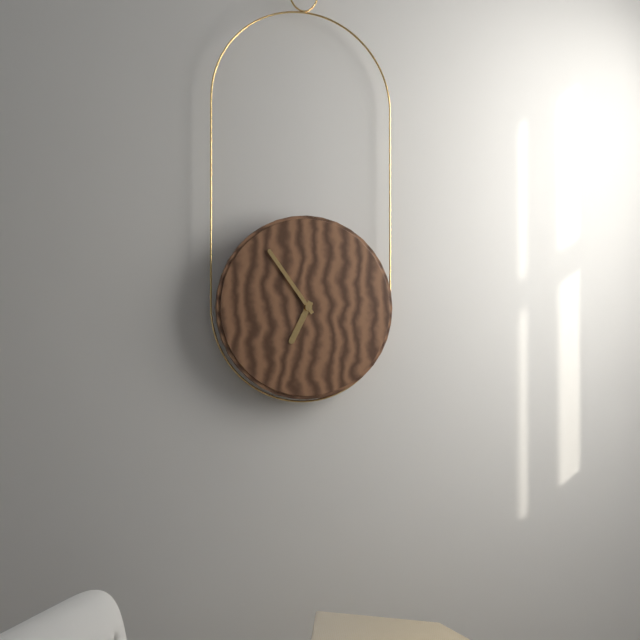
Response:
6,54
